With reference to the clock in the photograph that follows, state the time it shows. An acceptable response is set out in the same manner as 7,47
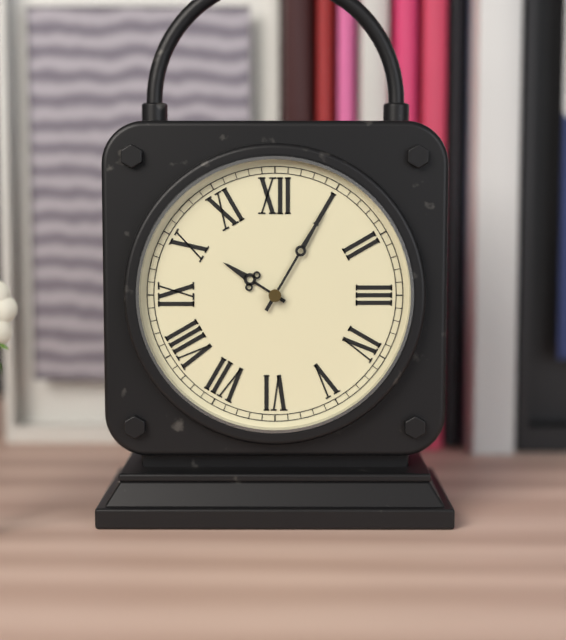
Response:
10,05
